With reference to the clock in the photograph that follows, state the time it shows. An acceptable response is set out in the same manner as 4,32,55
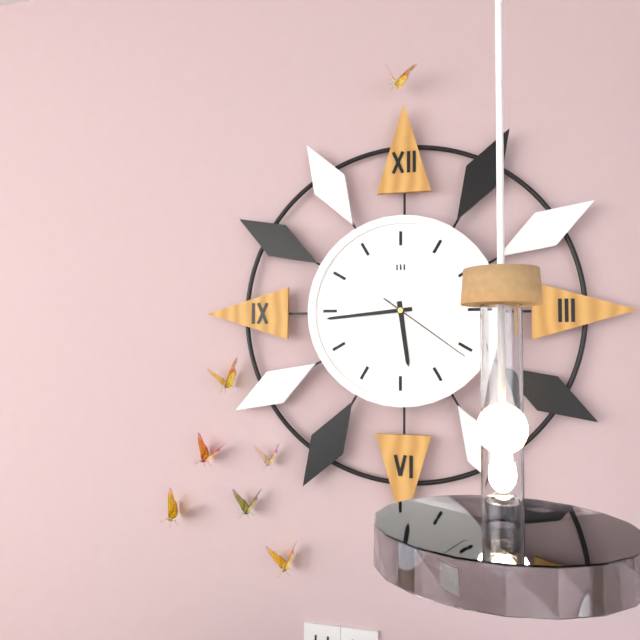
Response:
5,44,21
